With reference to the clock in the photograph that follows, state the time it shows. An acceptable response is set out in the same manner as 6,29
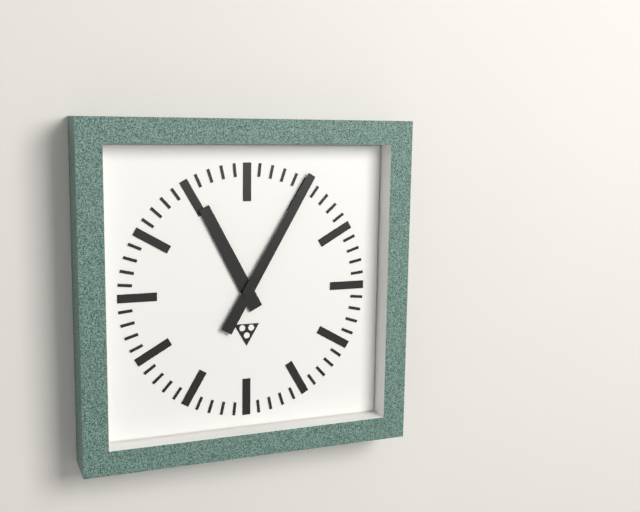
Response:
11,05
